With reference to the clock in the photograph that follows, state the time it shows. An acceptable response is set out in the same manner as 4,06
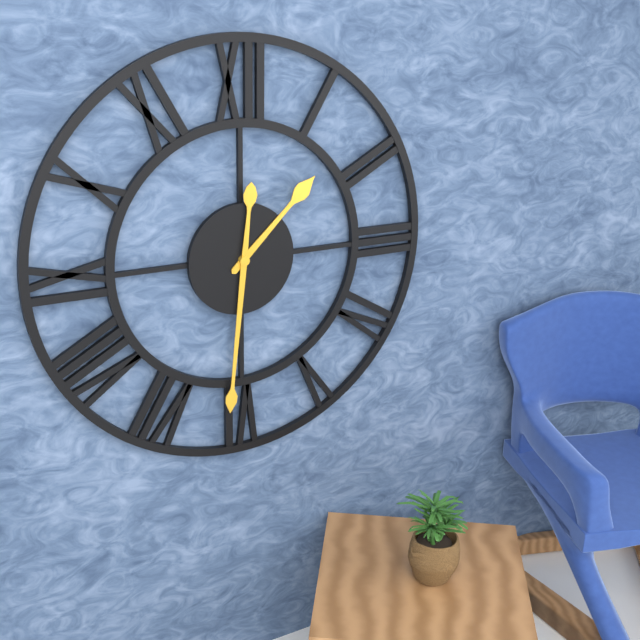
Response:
1,31
